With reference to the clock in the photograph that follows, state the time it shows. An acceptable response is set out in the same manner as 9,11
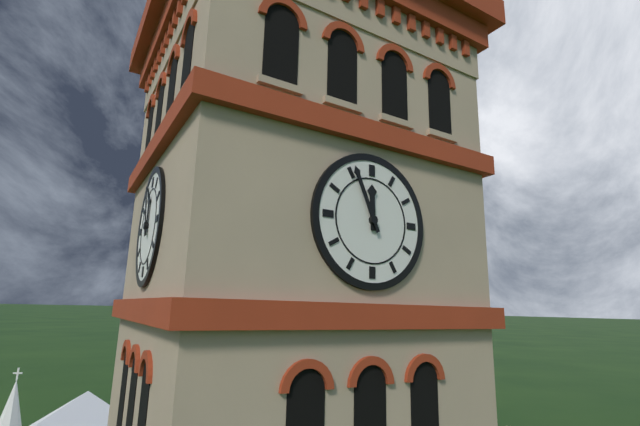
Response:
11,56
